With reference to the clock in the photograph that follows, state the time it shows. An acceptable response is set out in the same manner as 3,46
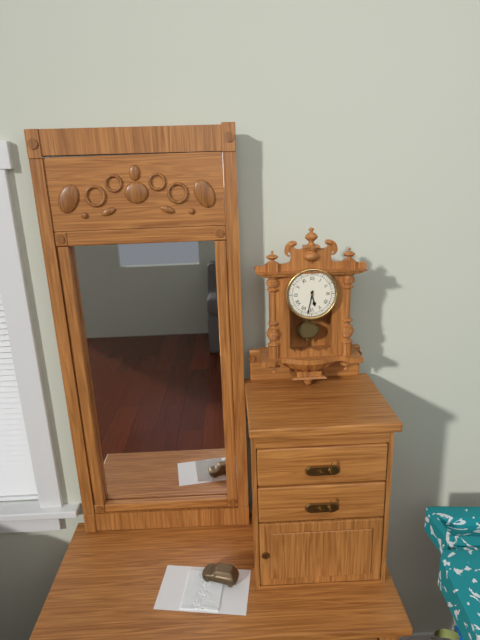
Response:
5,32
